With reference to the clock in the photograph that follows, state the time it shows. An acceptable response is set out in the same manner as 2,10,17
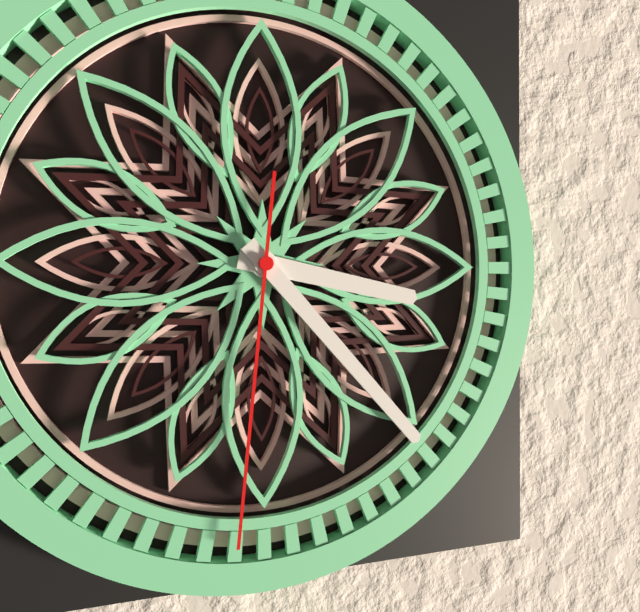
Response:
3,23,31
